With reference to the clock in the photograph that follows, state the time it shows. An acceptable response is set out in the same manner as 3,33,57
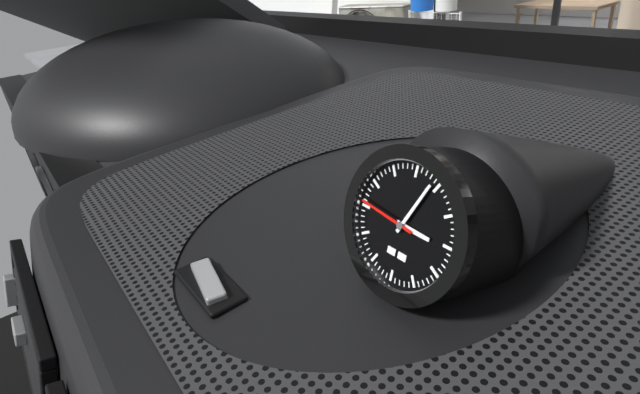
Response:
3,04,46
